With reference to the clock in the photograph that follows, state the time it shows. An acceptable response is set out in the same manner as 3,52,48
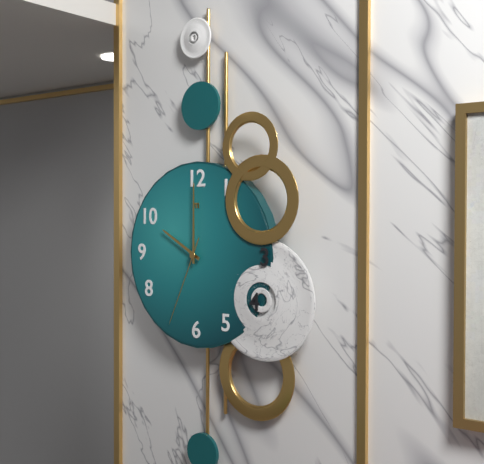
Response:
10,00,34
